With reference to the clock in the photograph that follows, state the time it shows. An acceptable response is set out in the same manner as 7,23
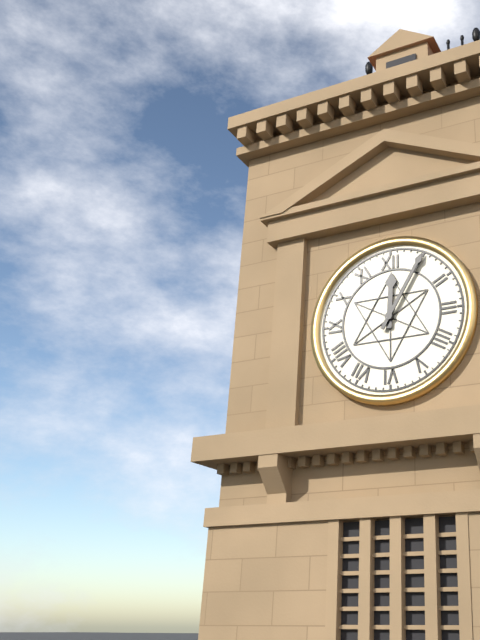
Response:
12,05
